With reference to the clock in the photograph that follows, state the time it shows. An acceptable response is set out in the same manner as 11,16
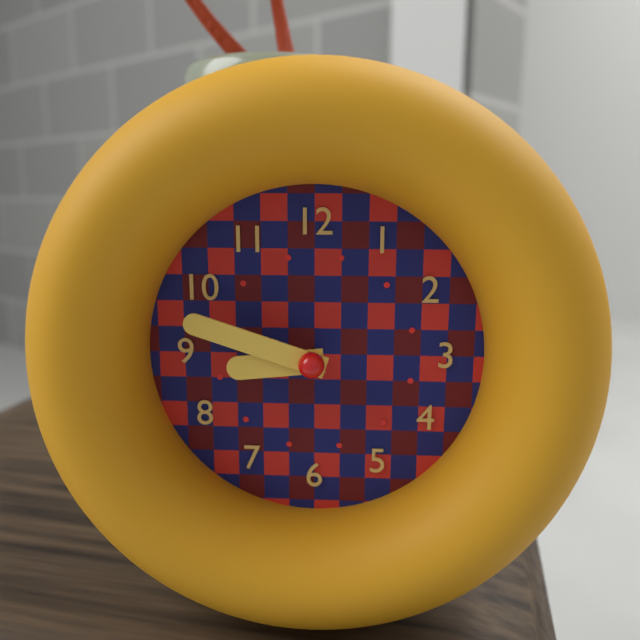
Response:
8,48
